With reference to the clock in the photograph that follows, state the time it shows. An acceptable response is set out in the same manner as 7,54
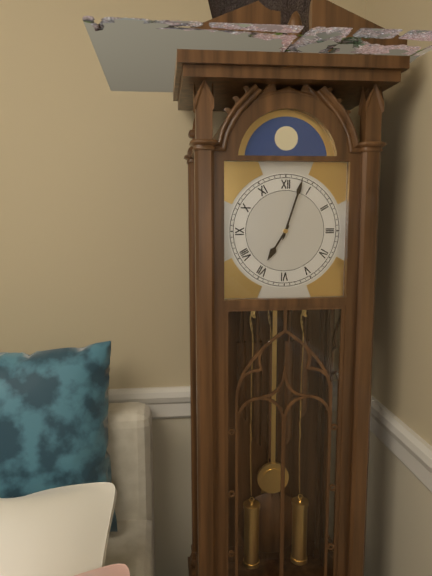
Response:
7,03
